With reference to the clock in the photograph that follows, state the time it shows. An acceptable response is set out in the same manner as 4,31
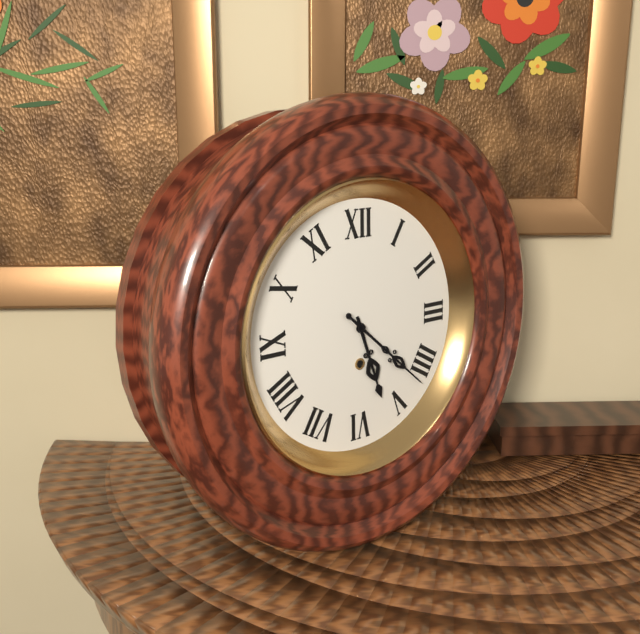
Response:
5,22
